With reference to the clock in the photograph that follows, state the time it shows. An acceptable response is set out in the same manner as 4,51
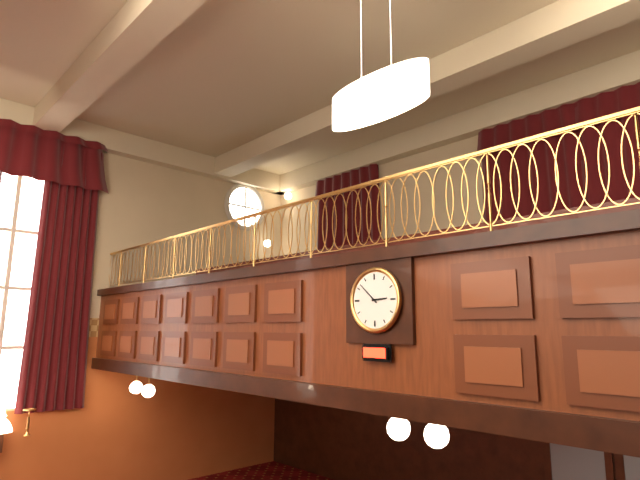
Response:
2,52
